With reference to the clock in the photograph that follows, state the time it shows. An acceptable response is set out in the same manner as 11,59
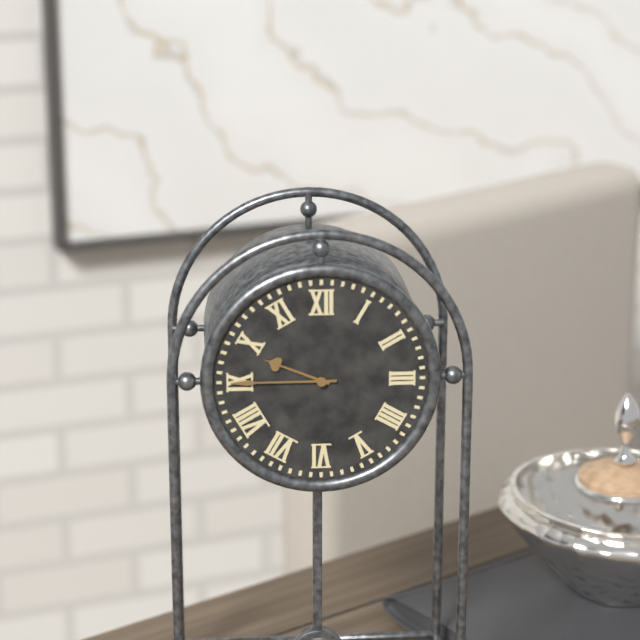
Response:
9,45
